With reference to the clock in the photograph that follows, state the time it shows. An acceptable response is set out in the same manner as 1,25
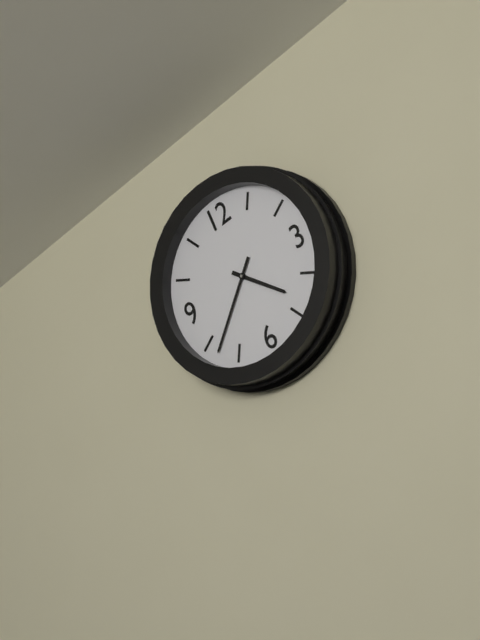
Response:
4,38
